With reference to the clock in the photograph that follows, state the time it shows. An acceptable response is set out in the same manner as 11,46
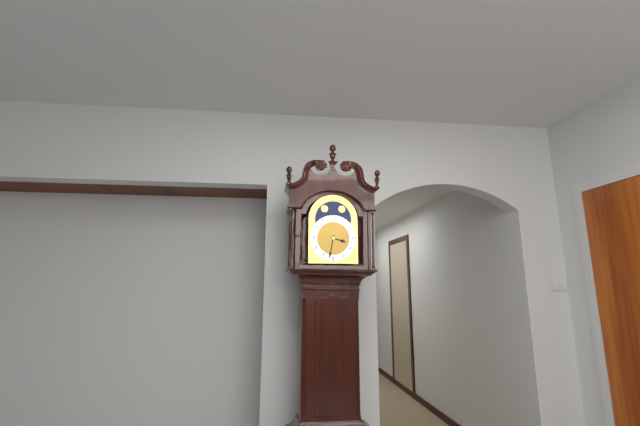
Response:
3,32
